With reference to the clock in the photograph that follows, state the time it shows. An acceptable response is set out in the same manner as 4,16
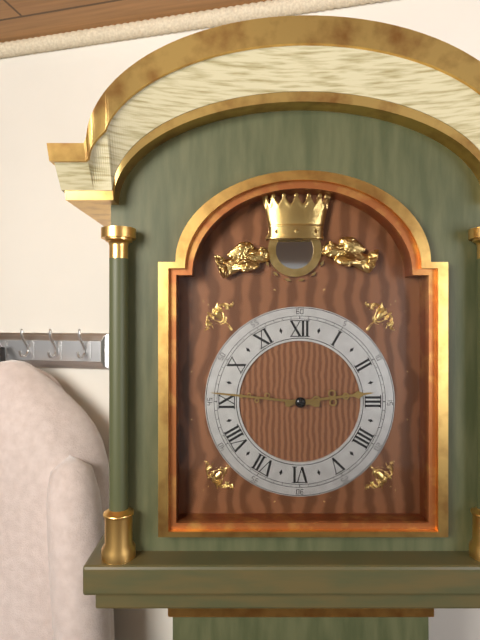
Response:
2,46
